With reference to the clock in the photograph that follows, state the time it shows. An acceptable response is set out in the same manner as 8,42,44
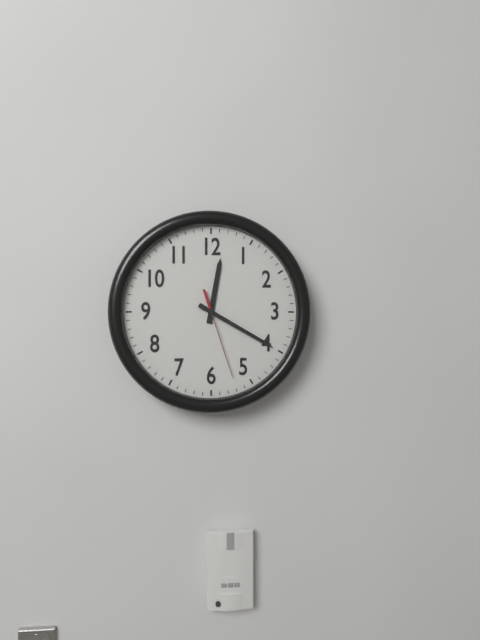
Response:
12,20,27
